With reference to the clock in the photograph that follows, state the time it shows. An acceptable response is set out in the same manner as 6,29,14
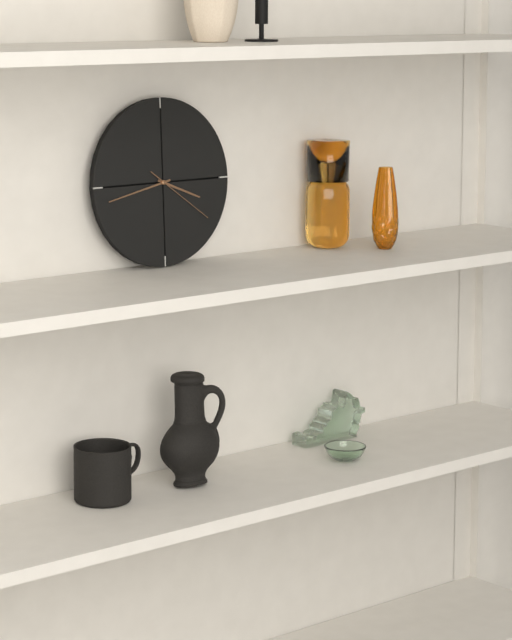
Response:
3,43,21
